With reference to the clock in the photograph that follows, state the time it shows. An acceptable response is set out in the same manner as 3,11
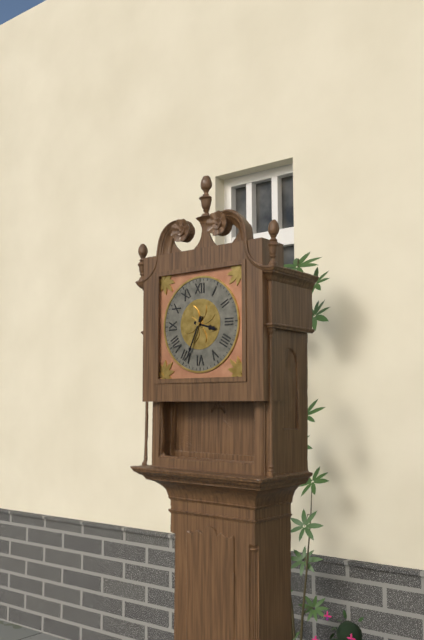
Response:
3,34
